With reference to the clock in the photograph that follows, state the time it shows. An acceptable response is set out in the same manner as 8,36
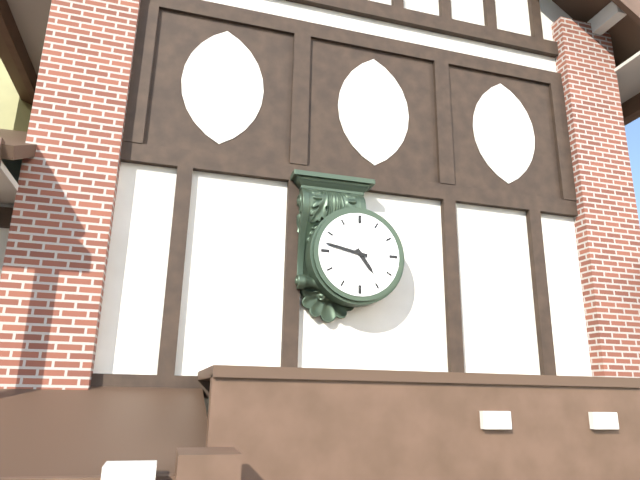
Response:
4,47
